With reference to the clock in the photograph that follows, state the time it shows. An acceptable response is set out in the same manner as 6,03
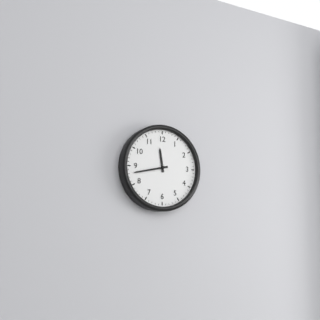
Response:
11,43
